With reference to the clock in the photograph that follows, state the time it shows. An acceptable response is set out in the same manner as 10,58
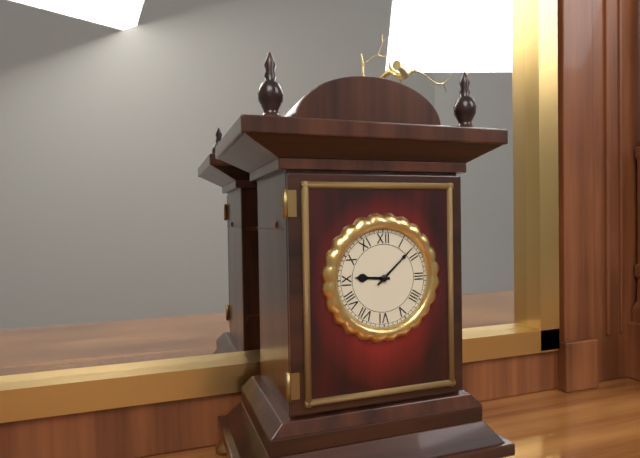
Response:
9,08
